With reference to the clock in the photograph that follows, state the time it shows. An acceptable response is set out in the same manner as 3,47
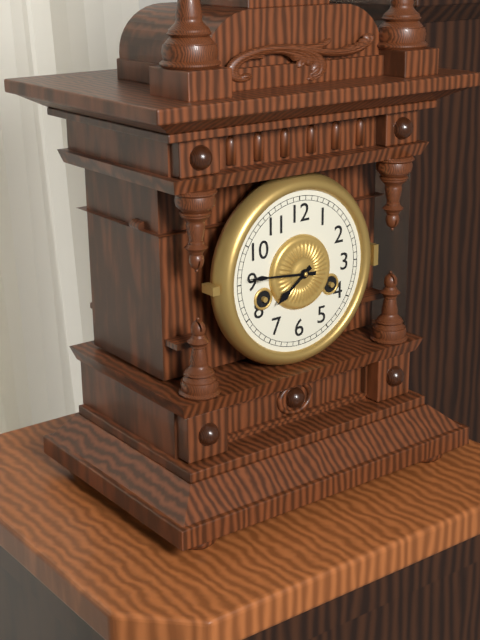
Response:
7,46
